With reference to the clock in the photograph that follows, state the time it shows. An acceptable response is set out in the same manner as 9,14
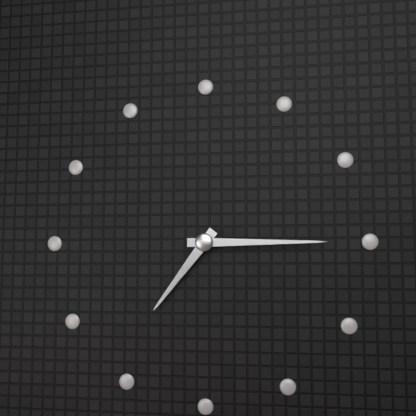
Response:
7,15
